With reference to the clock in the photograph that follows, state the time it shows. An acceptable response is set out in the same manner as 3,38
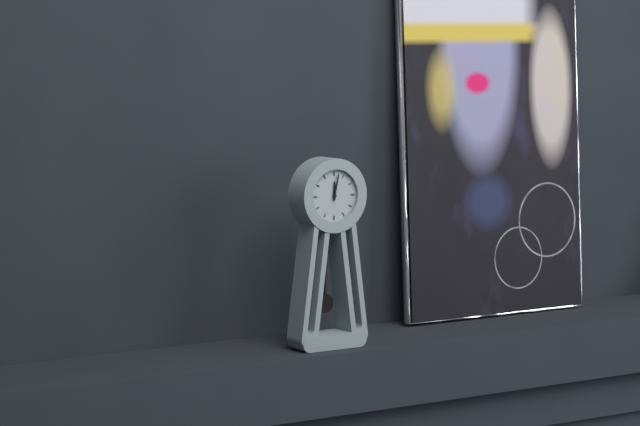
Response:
12,02
